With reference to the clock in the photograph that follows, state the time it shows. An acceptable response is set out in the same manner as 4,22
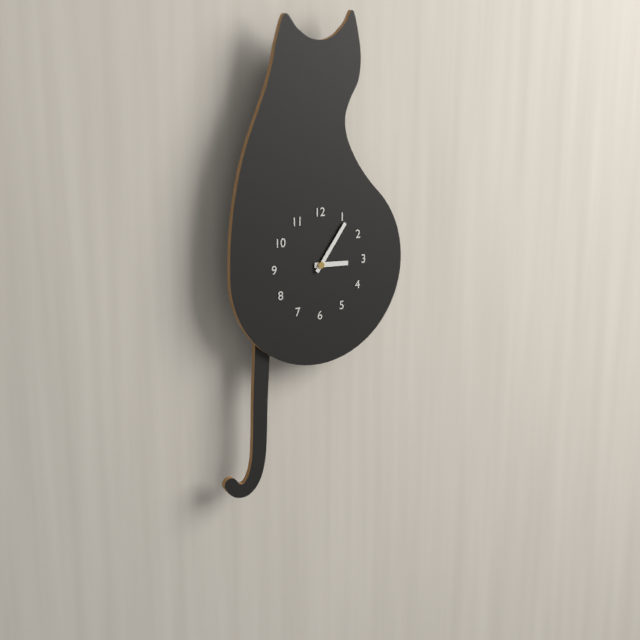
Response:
3,06
